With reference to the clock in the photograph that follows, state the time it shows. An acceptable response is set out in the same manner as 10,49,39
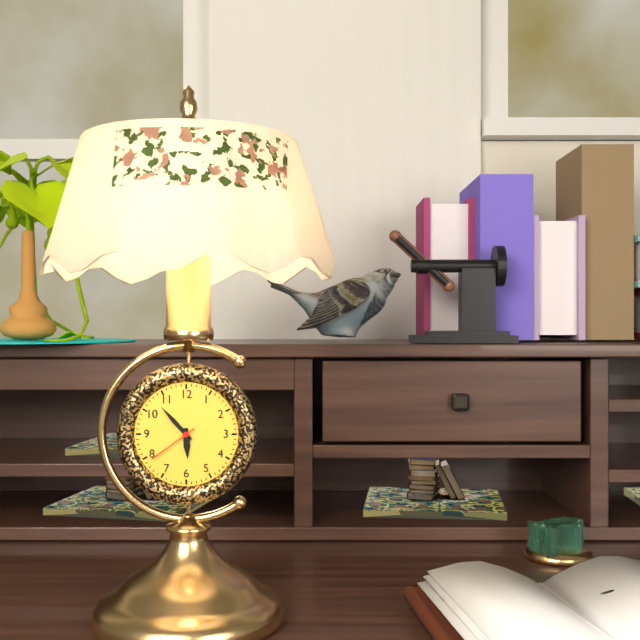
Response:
5,53,39
